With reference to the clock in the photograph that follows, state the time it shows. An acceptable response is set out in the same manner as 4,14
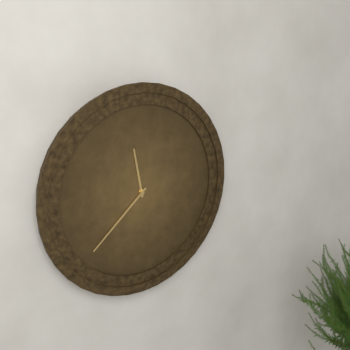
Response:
11,38
